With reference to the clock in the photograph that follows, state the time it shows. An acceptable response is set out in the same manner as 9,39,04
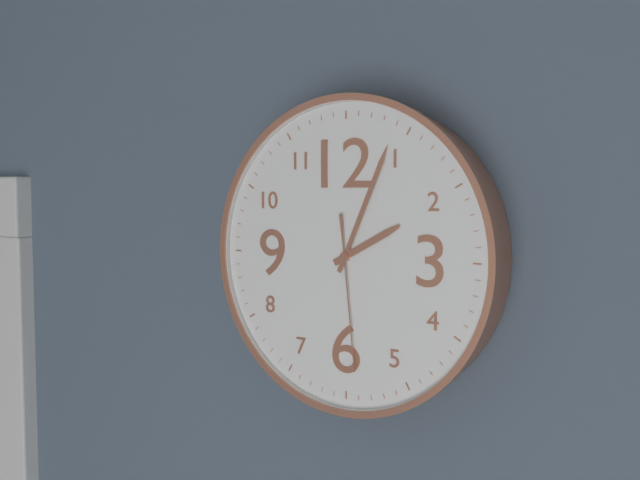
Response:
2,04,29
